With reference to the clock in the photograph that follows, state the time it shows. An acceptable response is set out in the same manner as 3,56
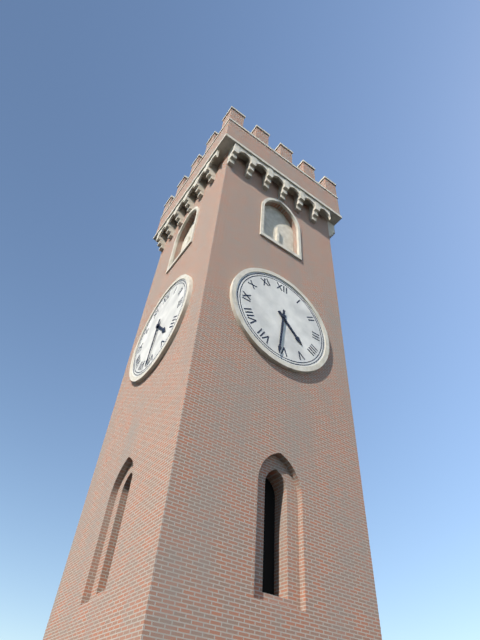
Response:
4,31
